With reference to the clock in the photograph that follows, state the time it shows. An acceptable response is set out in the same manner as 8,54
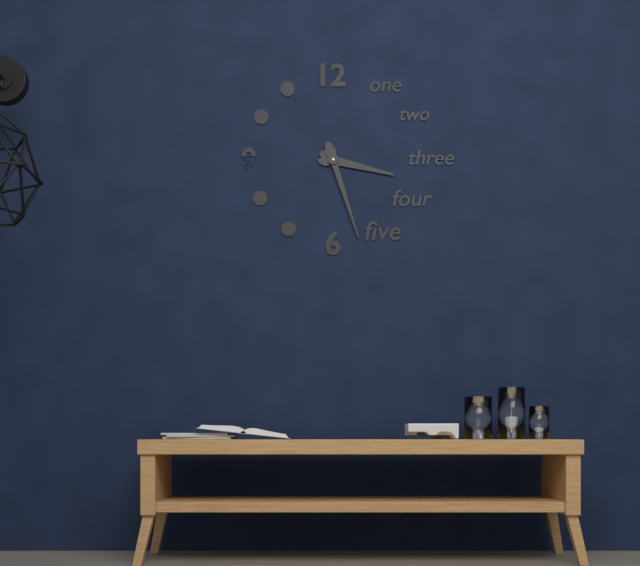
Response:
3,27
